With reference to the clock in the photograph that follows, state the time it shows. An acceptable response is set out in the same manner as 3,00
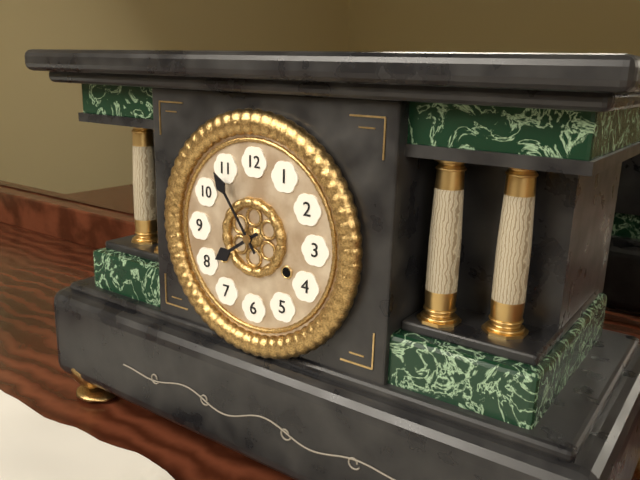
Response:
7,54
